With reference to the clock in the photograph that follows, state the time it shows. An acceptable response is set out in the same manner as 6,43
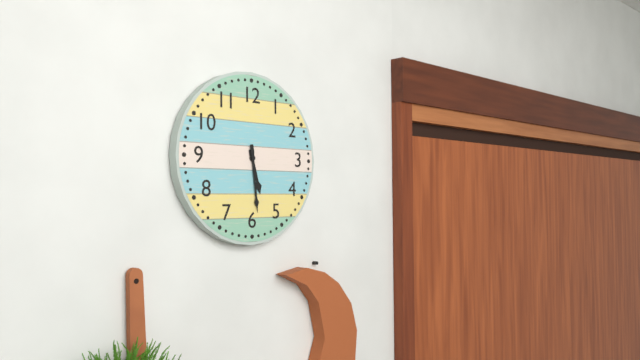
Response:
5,29
